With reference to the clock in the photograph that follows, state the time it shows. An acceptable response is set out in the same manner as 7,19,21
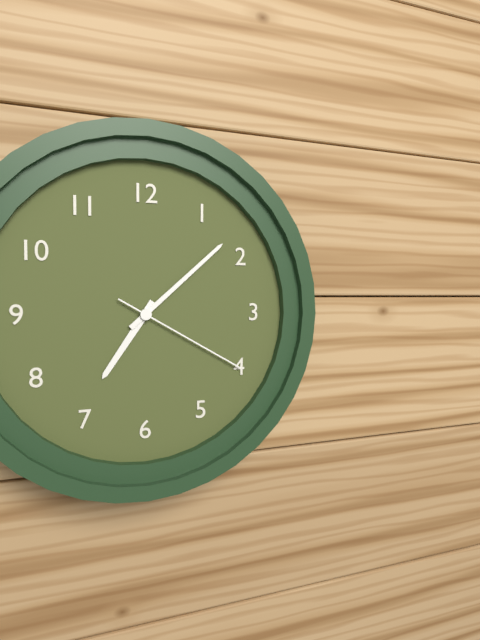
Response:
7,08,20
